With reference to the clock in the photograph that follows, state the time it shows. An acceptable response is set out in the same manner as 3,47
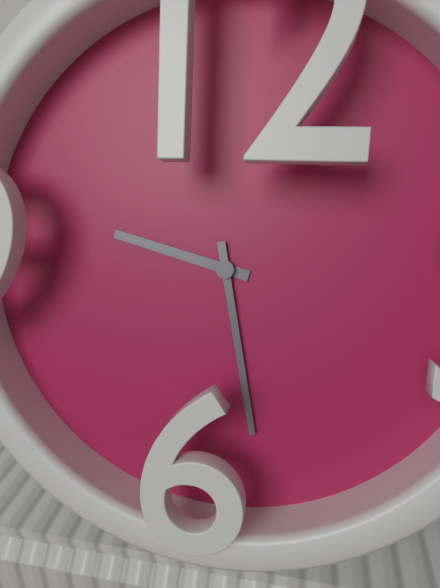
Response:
9,28
